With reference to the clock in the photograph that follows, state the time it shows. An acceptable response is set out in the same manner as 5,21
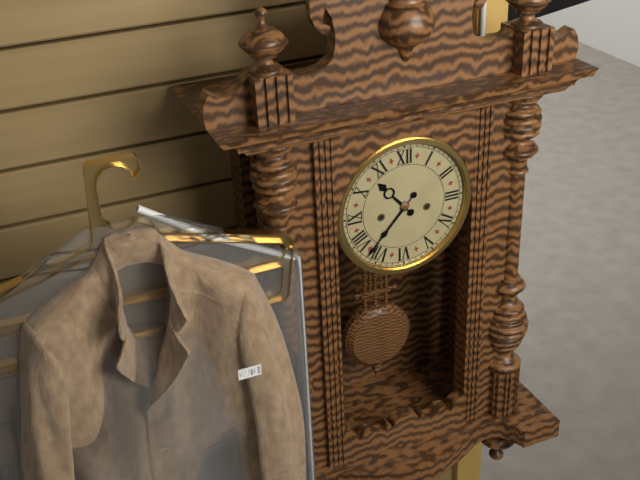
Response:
10,37
